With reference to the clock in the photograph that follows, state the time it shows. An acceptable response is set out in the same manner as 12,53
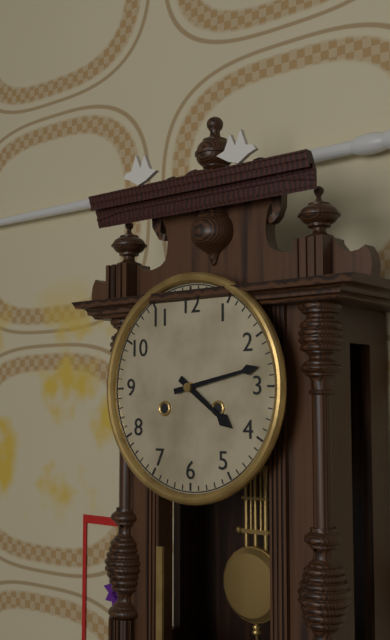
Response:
4,13
